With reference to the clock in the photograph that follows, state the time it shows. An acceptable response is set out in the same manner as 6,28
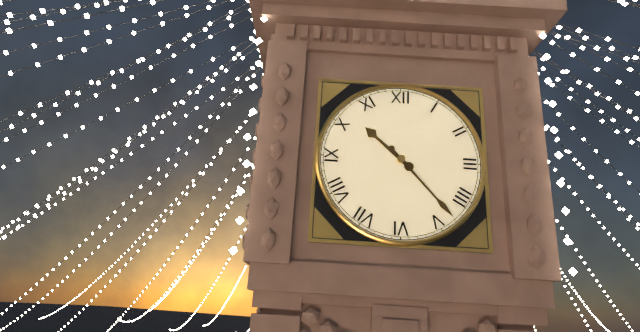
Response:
10,23
